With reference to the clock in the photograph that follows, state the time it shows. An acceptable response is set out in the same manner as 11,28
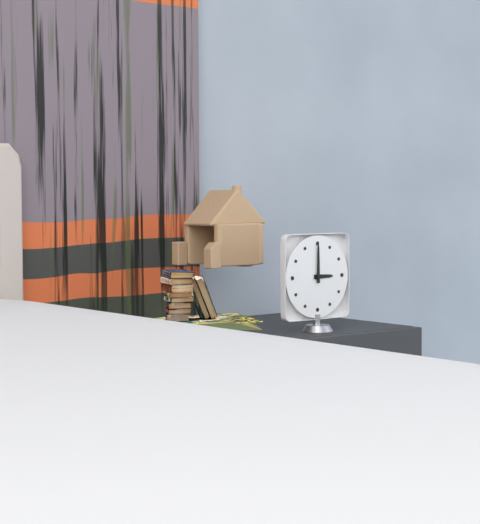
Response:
3,00
